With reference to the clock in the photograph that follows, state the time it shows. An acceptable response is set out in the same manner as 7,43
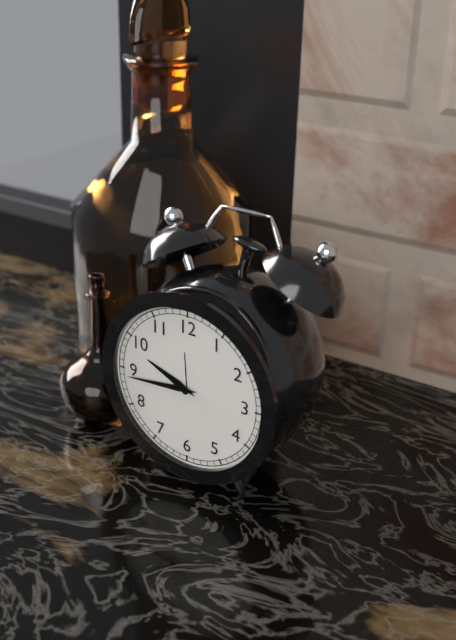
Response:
9,44
